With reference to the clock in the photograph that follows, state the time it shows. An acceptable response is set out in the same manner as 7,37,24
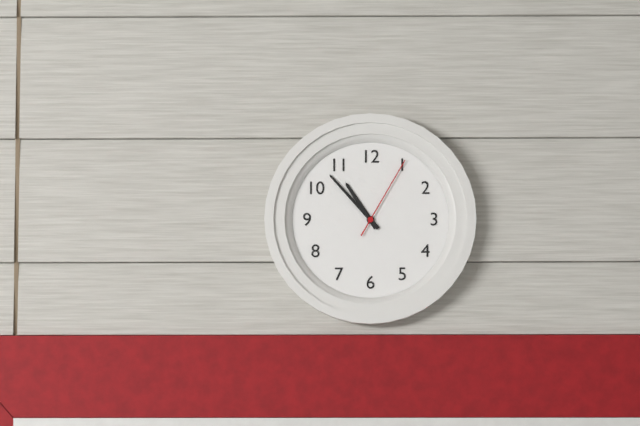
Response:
10,53,05
